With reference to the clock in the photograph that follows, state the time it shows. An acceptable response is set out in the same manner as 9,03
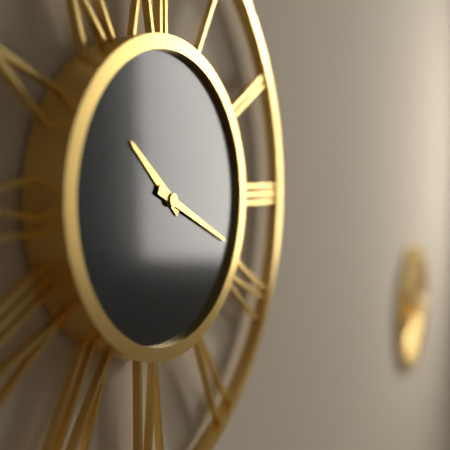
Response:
10,19
